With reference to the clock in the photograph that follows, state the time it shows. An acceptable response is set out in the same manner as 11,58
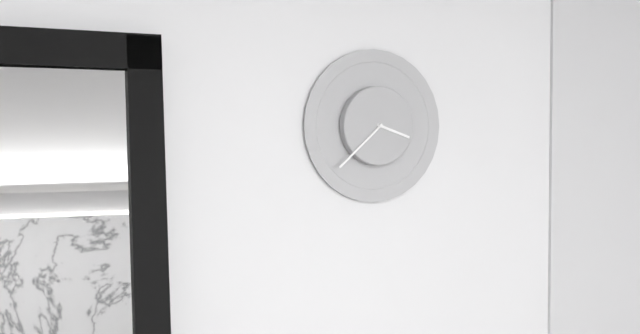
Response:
3,38
